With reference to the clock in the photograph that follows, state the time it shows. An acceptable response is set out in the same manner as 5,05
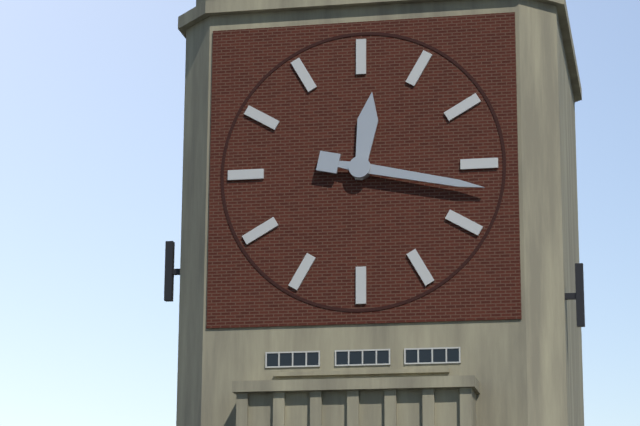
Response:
12,17
